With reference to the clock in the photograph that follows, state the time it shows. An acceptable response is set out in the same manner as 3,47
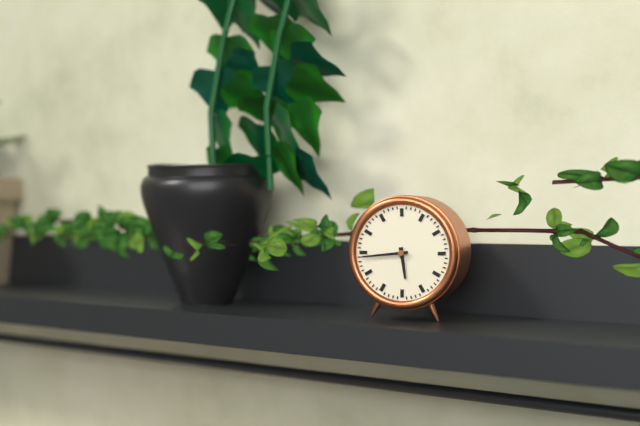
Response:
5,44
